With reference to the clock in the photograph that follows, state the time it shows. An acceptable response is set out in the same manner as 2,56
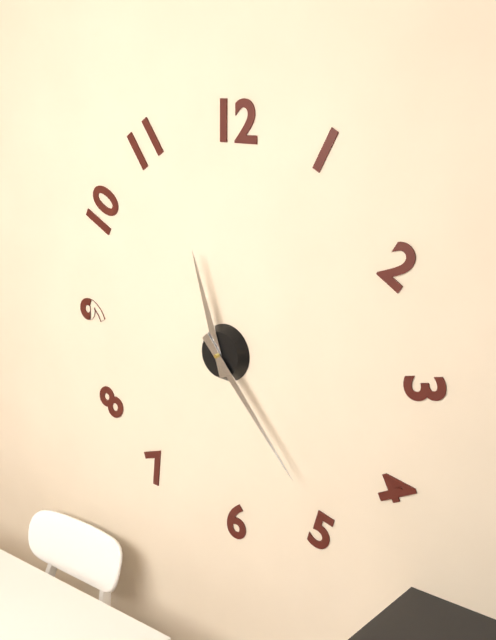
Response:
11,23
